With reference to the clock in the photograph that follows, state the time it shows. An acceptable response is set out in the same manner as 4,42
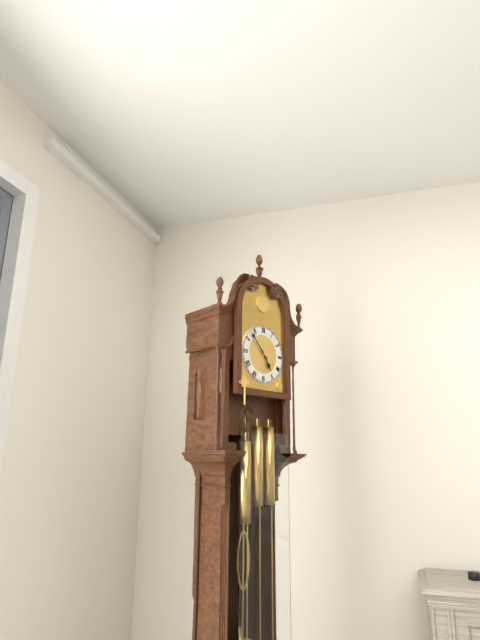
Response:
4,53
